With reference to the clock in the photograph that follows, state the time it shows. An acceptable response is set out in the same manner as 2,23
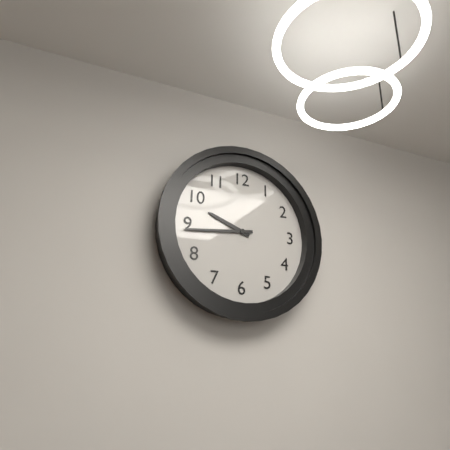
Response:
9,44
